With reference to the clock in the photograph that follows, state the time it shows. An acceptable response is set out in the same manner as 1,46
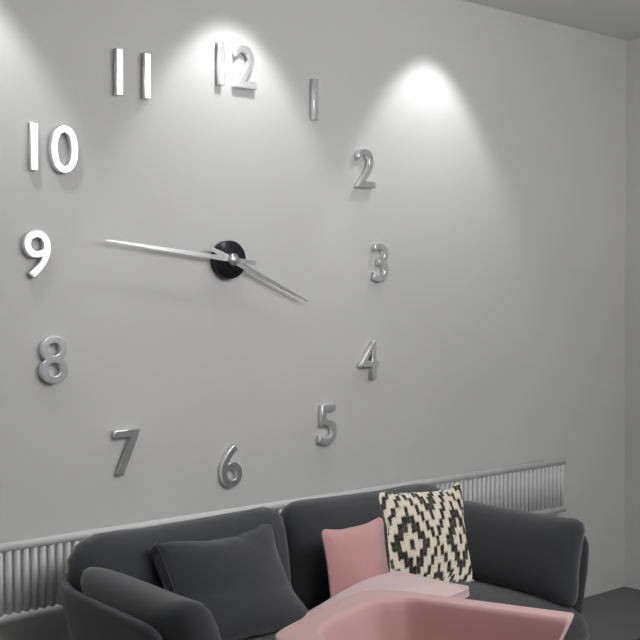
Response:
3,46
